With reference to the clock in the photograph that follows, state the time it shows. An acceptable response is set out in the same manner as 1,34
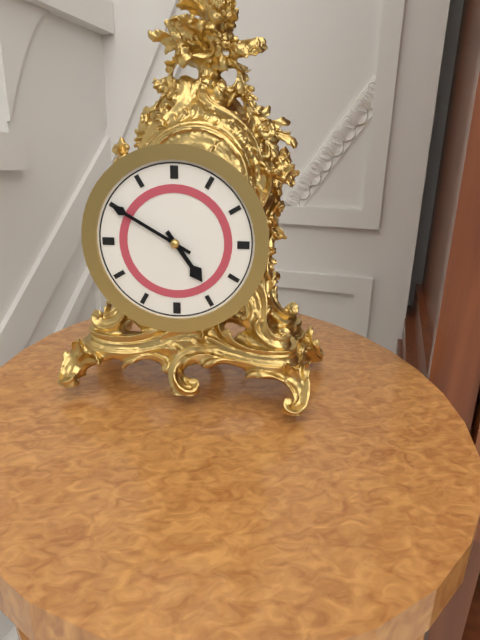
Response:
4,50
